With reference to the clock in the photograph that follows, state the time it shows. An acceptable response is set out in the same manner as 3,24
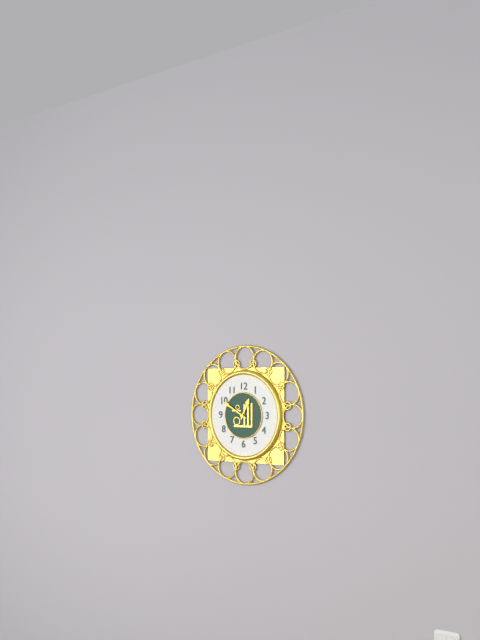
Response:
12,50
